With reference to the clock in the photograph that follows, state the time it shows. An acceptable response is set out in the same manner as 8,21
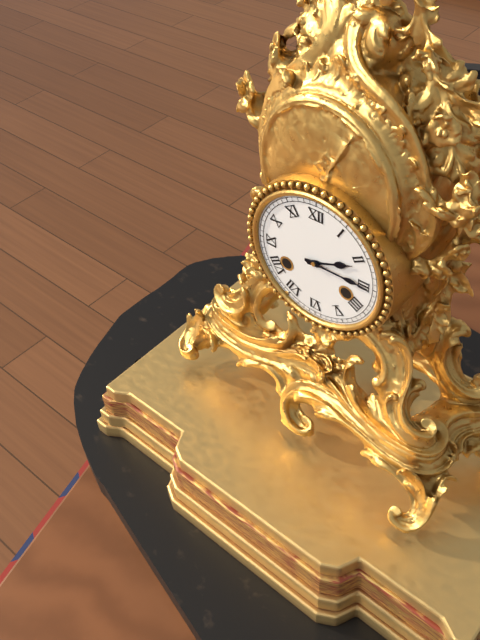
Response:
2,15
